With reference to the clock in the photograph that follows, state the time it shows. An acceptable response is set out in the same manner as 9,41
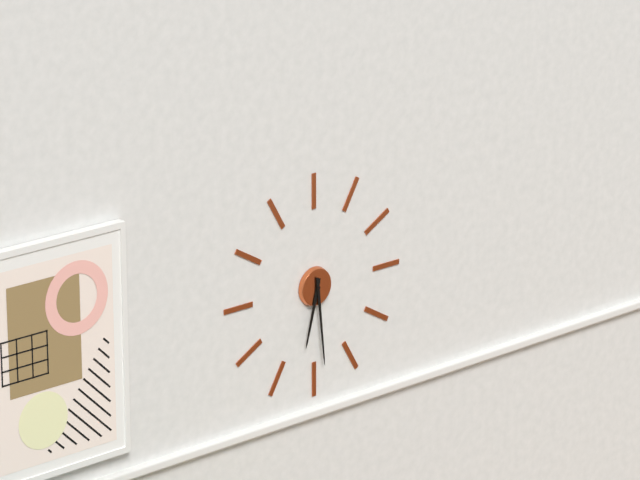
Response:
6,29
